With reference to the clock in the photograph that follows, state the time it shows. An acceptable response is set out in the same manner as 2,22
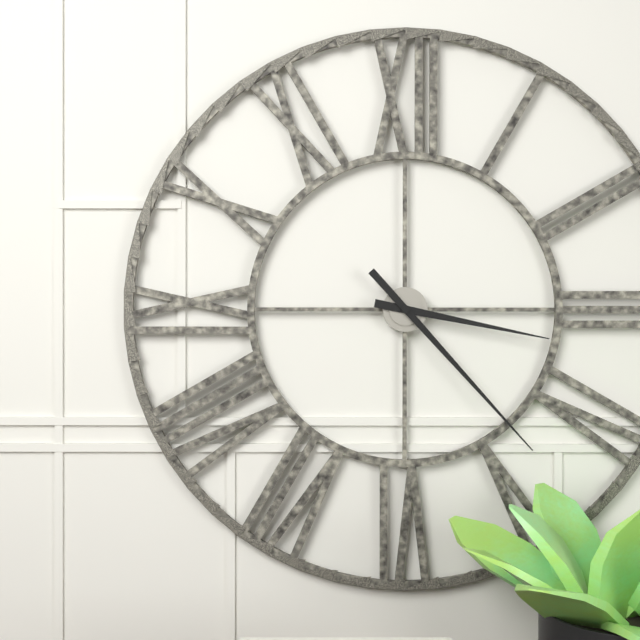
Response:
3,23
